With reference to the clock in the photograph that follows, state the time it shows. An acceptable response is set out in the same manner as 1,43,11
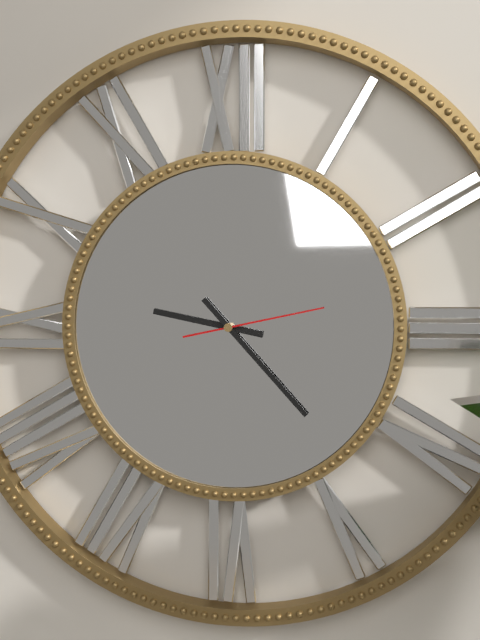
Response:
9,23,13
